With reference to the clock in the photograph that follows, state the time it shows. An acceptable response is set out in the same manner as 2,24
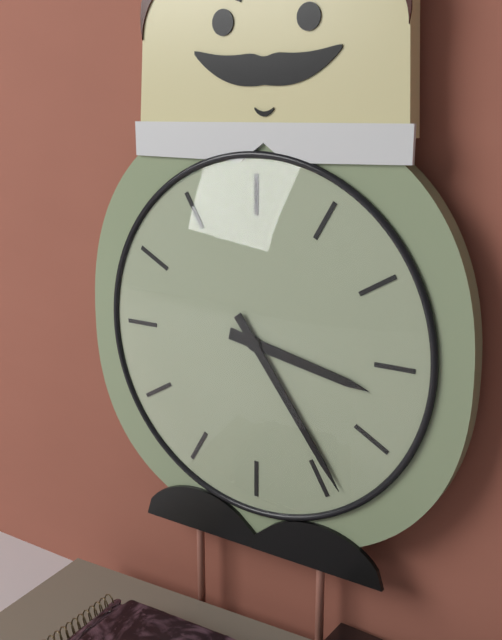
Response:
3,24
